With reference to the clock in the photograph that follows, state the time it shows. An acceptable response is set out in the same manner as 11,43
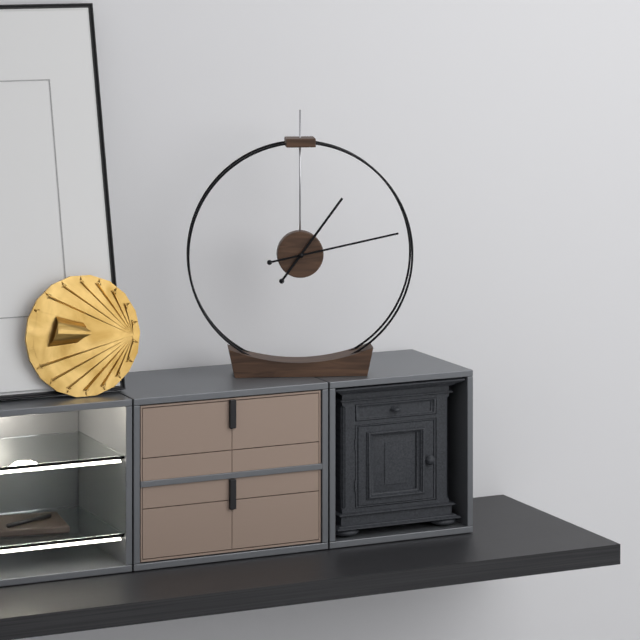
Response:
1,13
